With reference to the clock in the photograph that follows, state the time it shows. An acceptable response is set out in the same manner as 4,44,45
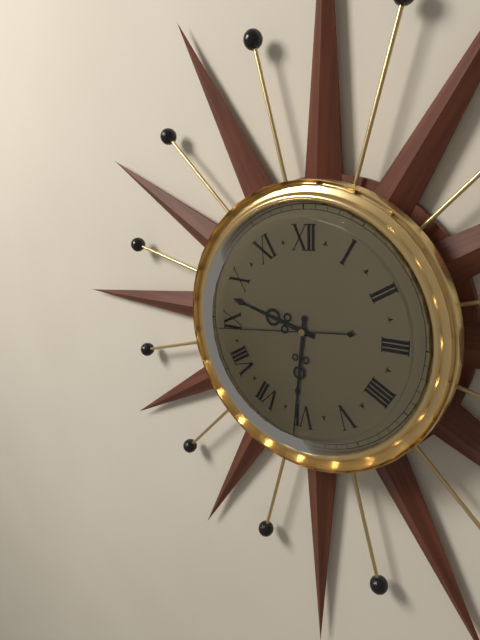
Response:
9,31,44
